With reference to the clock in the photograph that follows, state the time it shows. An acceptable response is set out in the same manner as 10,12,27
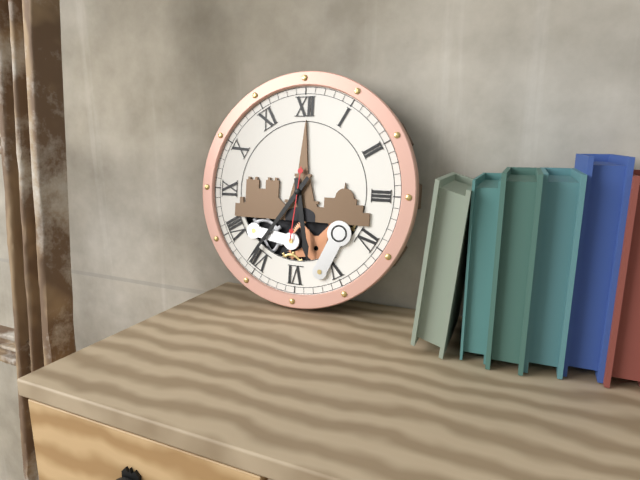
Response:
5,36,31
